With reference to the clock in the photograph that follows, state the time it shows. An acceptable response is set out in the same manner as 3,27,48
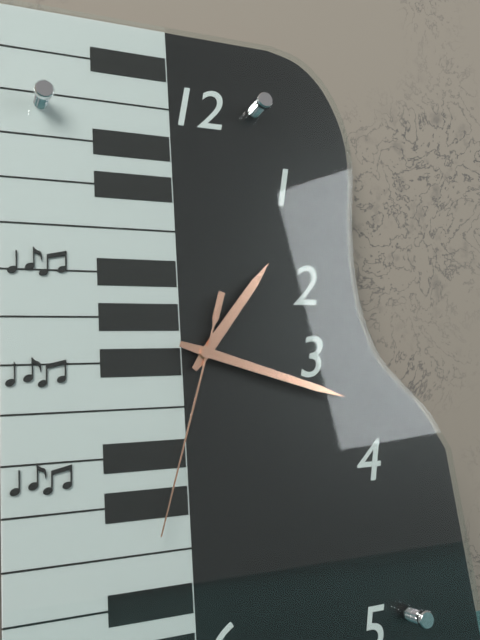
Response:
1,18,33
